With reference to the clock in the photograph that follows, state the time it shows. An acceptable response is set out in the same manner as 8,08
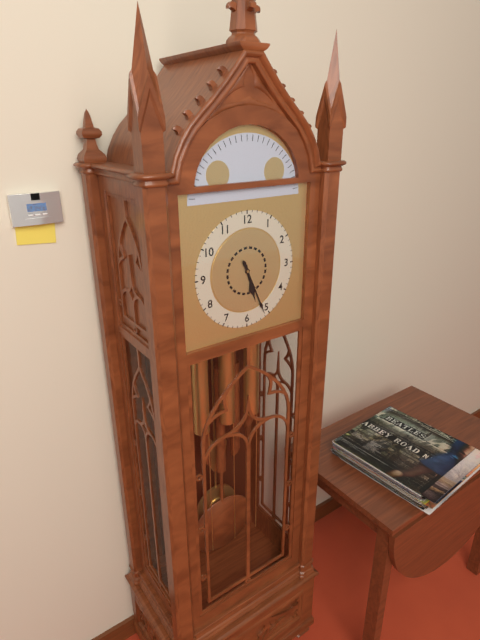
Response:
5,26
